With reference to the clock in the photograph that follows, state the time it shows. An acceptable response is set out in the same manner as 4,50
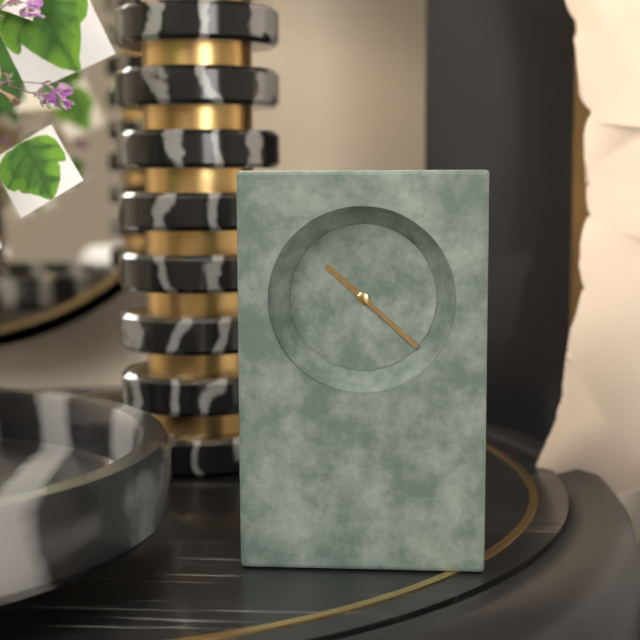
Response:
10,22
